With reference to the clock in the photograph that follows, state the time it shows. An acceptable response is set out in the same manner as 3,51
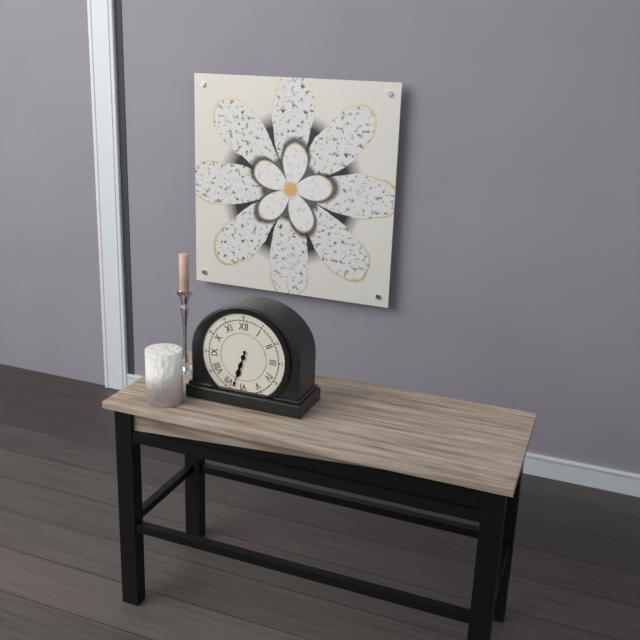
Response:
6,33
